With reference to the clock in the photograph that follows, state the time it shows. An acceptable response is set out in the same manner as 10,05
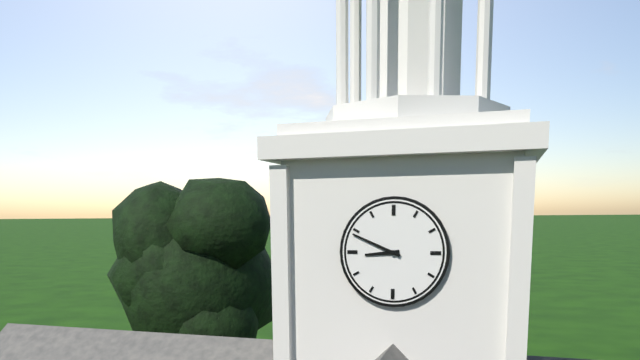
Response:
8,49
